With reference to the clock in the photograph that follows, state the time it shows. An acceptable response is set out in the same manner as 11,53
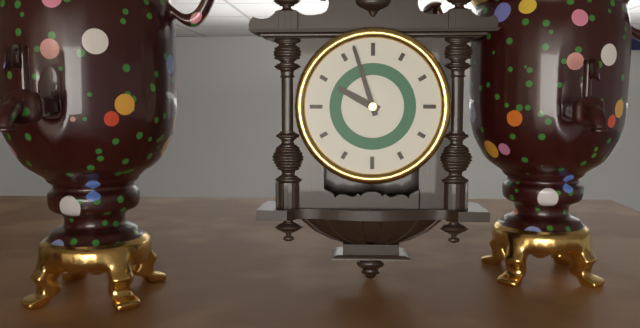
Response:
9,57
